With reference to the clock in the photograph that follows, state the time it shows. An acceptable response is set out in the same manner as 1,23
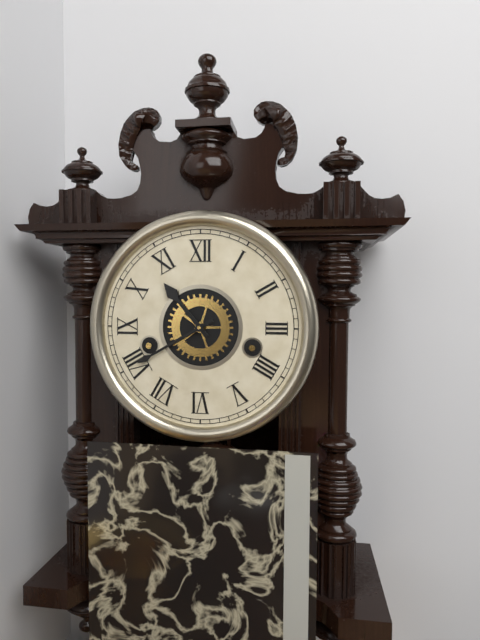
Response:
10,40
